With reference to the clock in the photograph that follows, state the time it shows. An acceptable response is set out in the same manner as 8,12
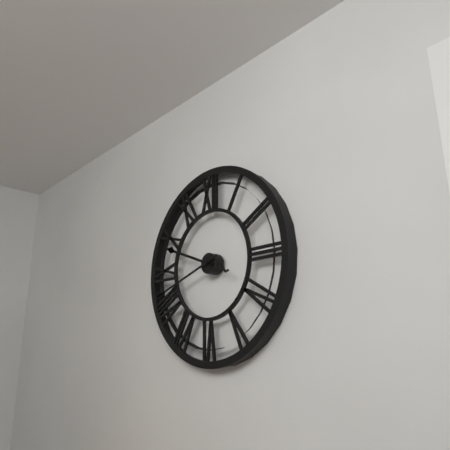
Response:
9,42
